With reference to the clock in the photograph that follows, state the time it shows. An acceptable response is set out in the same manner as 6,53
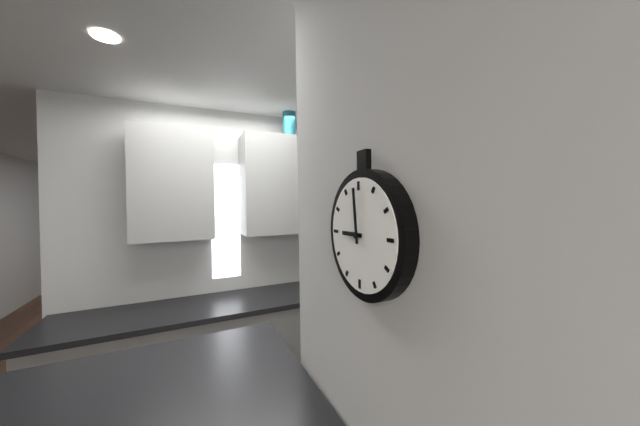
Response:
8,59
